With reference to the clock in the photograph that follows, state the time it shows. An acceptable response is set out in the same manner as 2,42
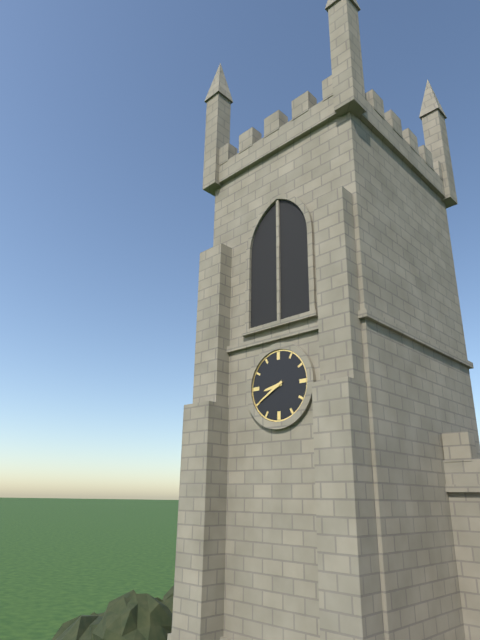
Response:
8,40
